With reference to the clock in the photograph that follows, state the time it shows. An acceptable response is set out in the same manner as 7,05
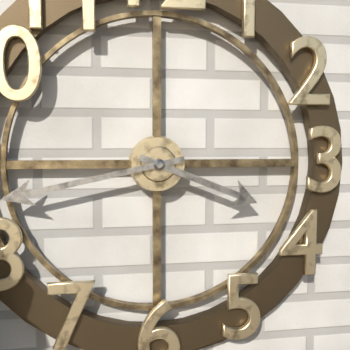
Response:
3,43
